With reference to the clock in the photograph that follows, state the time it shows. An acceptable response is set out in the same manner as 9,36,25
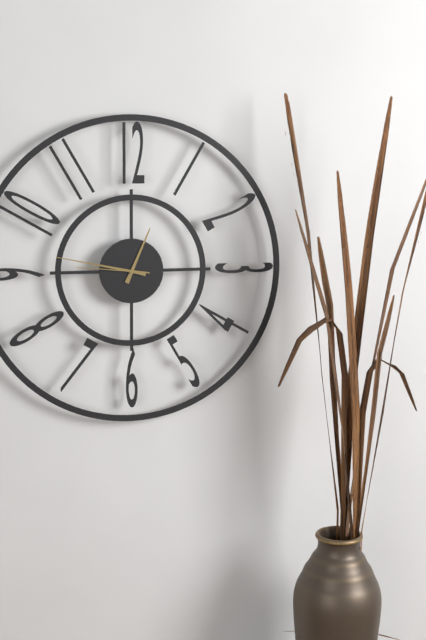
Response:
12,47,46
